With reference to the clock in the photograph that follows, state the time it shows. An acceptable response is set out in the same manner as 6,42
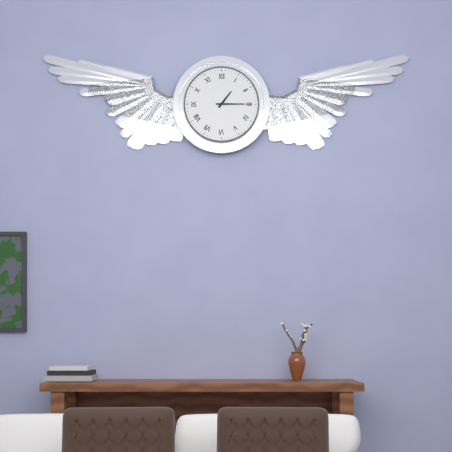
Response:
1,15
